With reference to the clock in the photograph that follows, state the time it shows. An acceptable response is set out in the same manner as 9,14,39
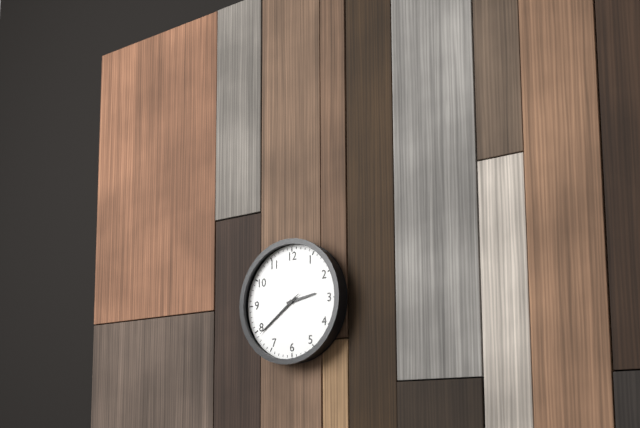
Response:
2,39,39
